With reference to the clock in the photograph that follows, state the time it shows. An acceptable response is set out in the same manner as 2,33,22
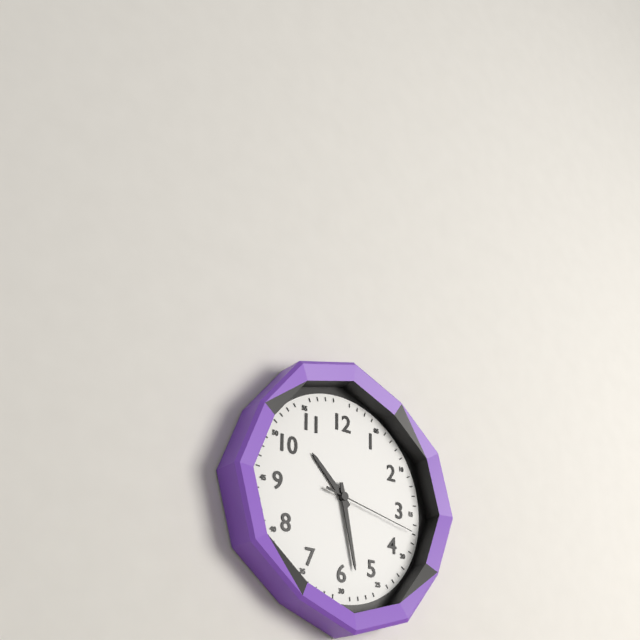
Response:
10,28,17
